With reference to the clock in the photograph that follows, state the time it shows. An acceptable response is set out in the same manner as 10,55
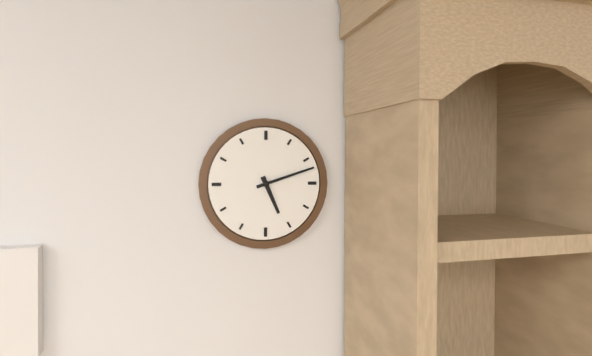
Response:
5,12
